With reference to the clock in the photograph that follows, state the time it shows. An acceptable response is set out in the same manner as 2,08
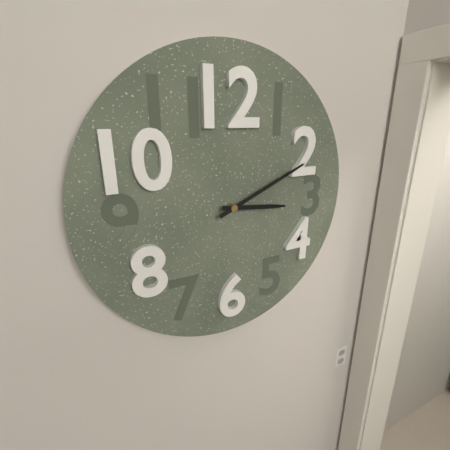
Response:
3,11
